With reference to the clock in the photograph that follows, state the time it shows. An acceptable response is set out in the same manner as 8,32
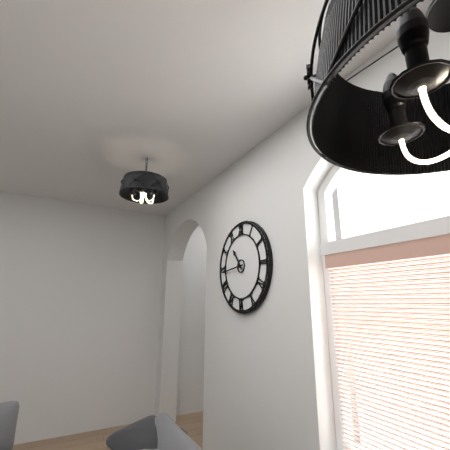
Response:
10,44
